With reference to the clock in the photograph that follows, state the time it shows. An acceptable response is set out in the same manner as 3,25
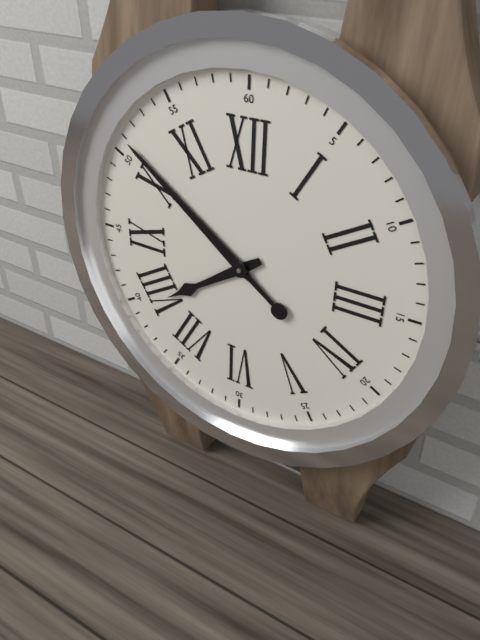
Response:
7,51
